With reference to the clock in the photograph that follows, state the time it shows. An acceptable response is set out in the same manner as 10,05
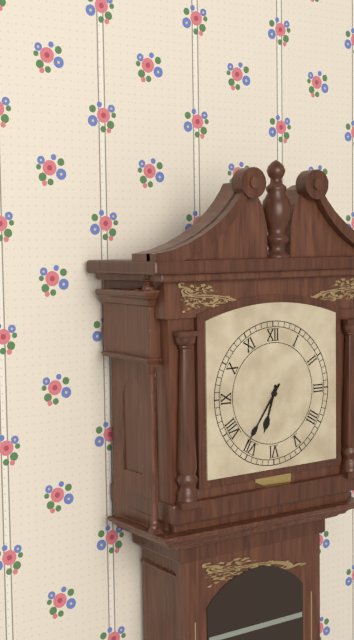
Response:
6,36
